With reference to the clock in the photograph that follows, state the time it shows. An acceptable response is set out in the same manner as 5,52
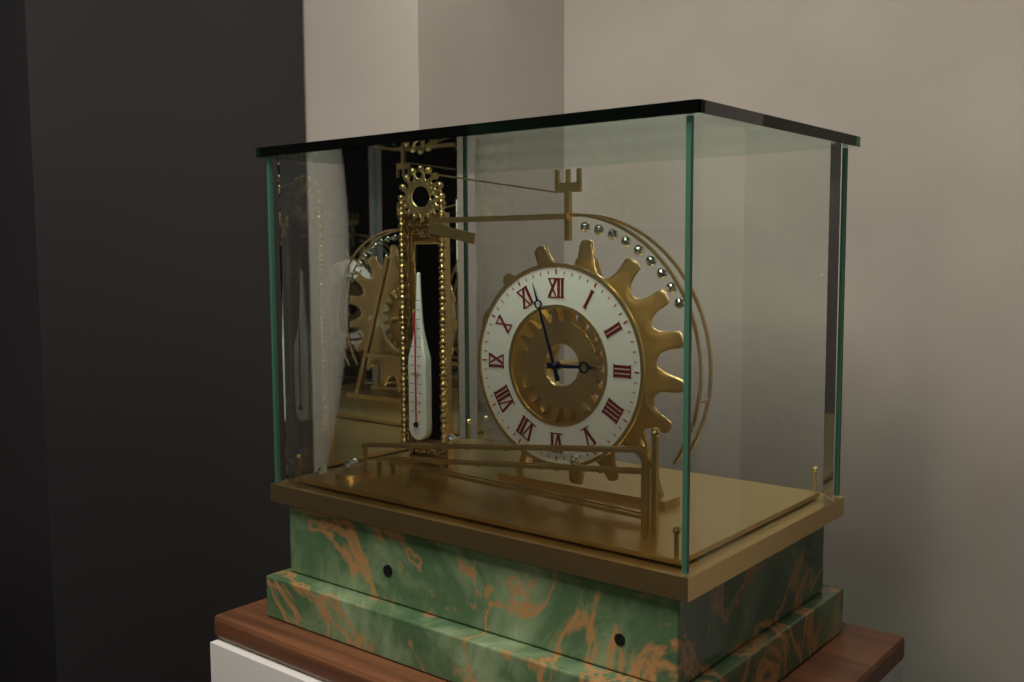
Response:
2,57
